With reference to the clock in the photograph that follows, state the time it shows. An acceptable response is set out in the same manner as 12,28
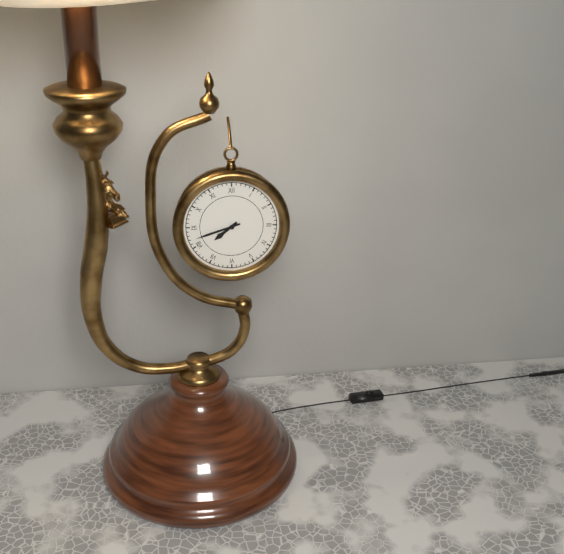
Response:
7,42
